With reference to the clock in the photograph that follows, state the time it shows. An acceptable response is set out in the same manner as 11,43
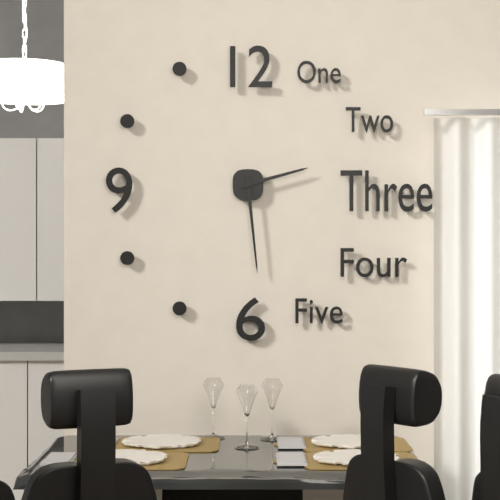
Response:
2,29
